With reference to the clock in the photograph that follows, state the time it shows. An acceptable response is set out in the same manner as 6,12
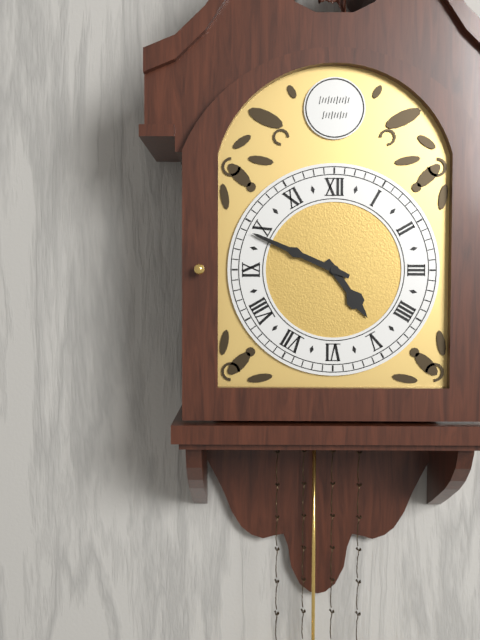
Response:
4,49
